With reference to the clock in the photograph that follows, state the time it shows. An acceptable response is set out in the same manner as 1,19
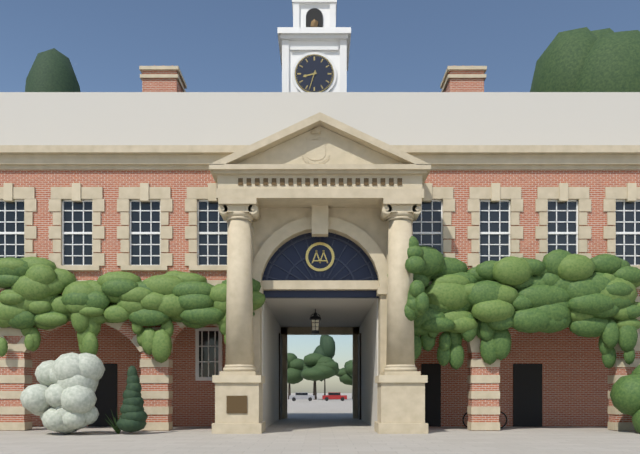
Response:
8,33
